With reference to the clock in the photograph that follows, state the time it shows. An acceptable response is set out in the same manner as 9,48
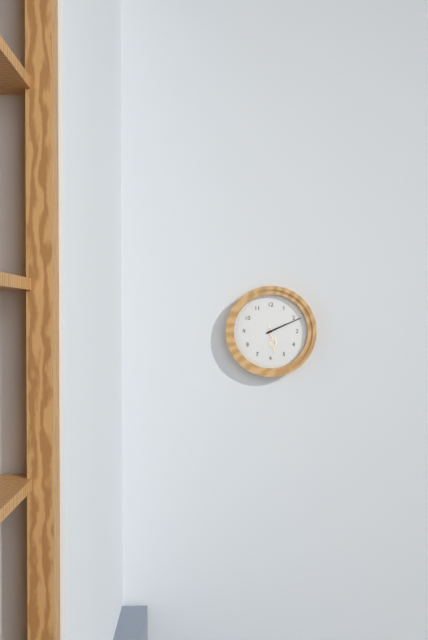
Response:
2,11
